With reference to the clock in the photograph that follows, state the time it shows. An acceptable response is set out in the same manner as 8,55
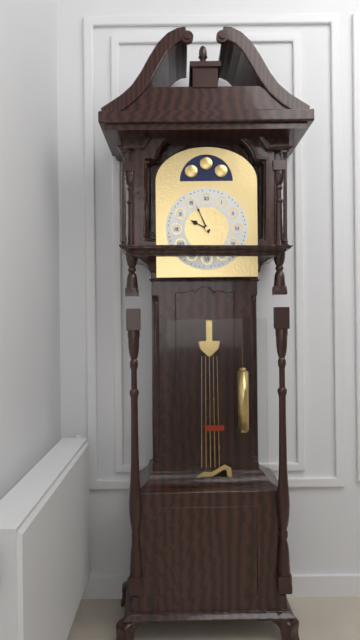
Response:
9,56
